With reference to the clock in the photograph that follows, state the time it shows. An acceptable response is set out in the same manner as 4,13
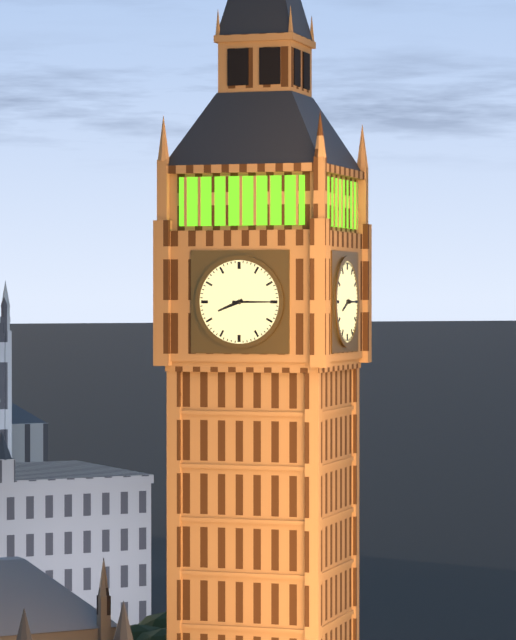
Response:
8,15
